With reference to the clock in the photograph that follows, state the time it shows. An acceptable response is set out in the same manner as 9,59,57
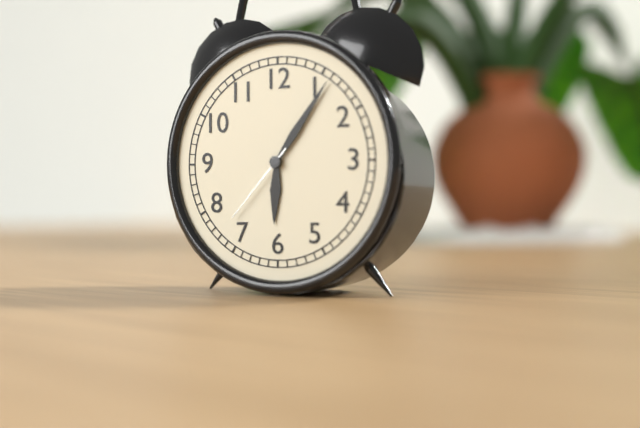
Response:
6,06,37
